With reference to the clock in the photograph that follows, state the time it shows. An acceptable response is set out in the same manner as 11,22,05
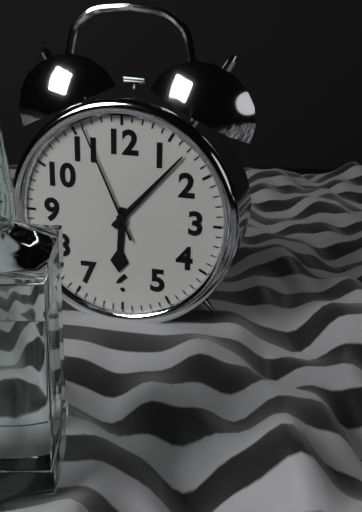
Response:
6,07,56
